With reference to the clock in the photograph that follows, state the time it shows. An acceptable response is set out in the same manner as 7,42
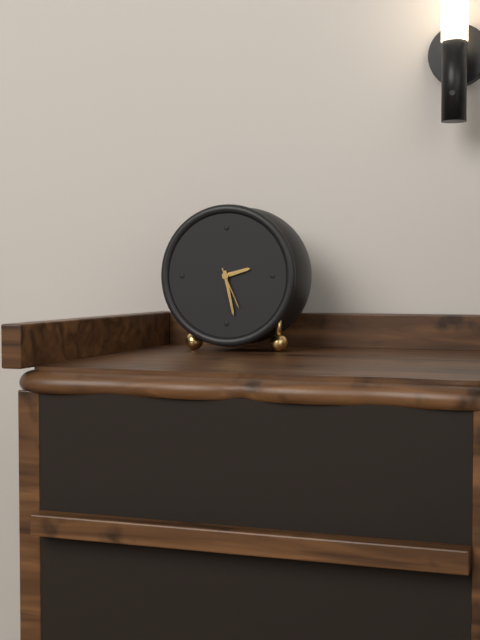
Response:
2,28
